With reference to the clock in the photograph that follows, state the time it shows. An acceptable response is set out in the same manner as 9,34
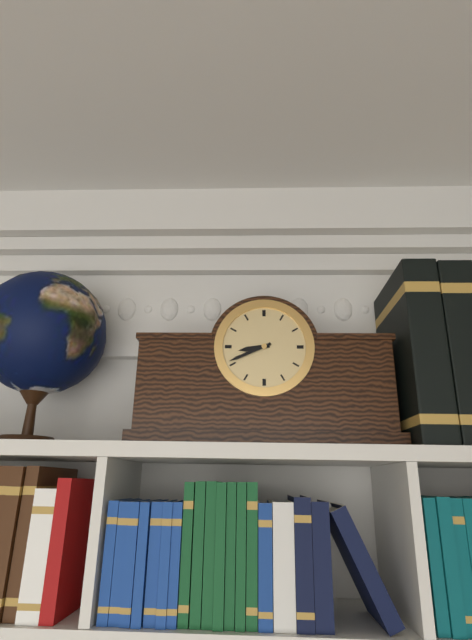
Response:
8,41
